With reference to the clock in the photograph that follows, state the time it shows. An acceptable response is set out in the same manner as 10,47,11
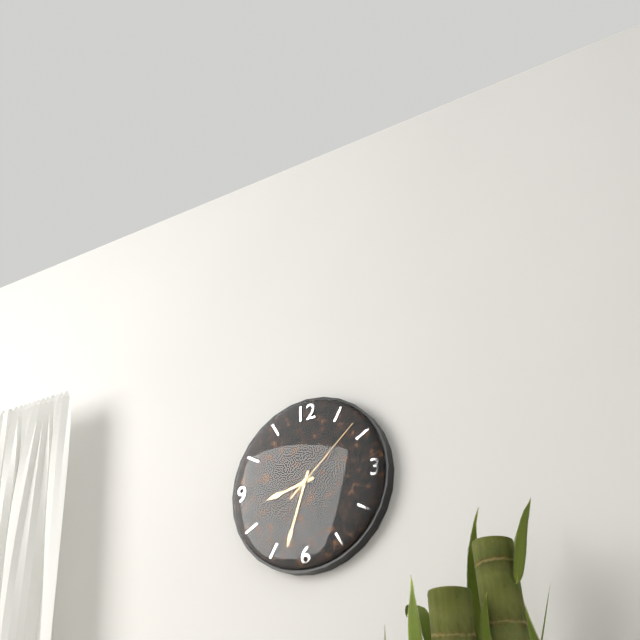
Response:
8,33,08
